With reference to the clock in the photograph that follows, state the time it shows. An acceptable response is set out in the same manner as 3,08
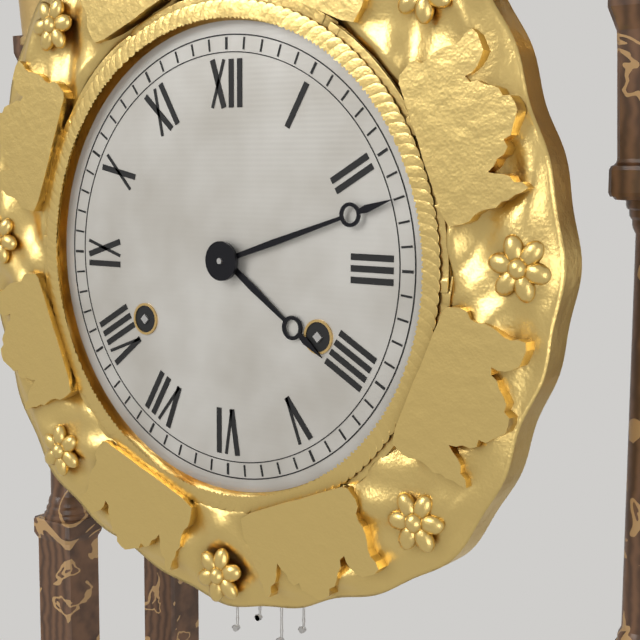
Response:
4,12
